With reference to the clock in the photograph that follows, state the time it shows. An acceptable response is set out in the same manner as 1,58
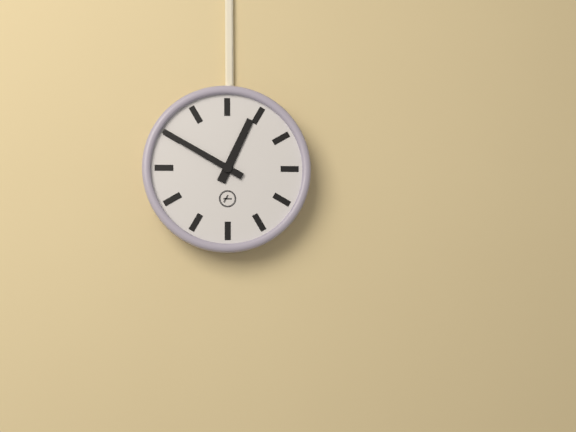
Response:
12,50
